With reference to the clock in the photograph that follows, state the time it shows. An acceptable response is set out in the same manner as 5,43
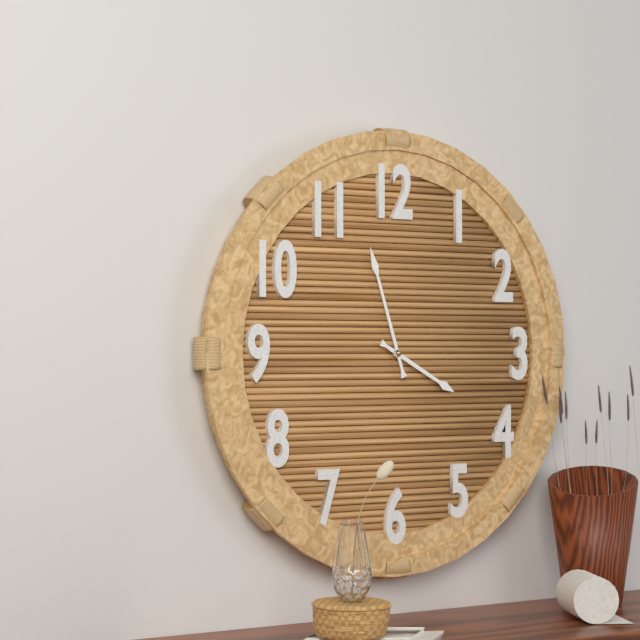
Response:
3,57
